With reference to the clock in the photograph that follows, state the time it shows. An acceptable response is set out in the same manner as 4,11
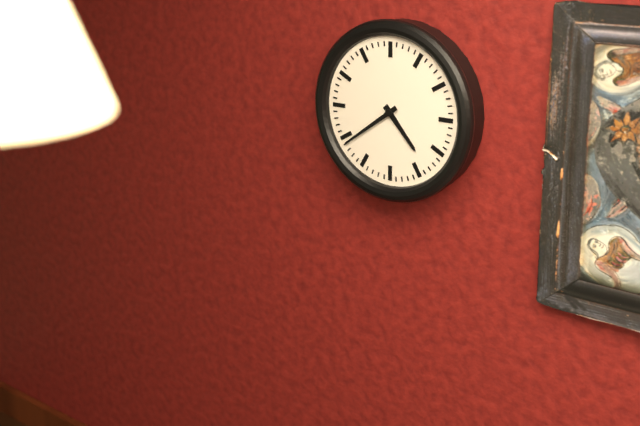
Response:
4,39
